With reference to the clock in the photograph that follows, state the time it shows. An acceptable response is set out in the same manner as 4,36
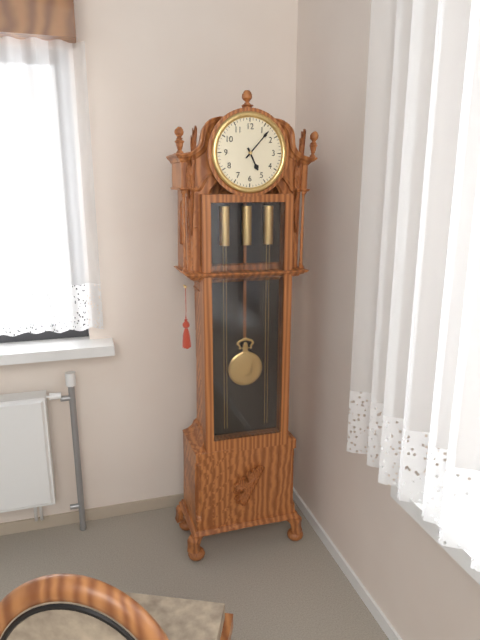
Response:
5,07
